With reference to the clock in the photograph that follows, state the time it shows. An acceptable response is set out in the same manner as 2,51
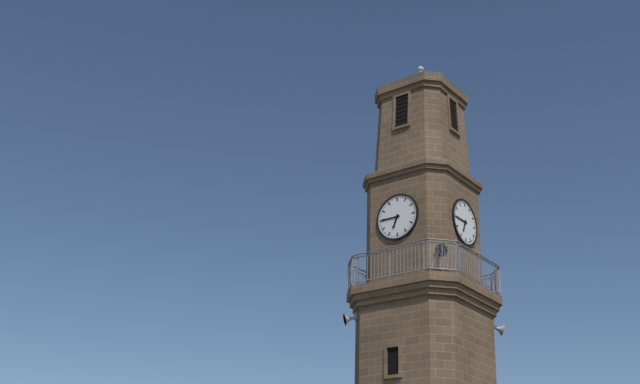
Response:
6,45
